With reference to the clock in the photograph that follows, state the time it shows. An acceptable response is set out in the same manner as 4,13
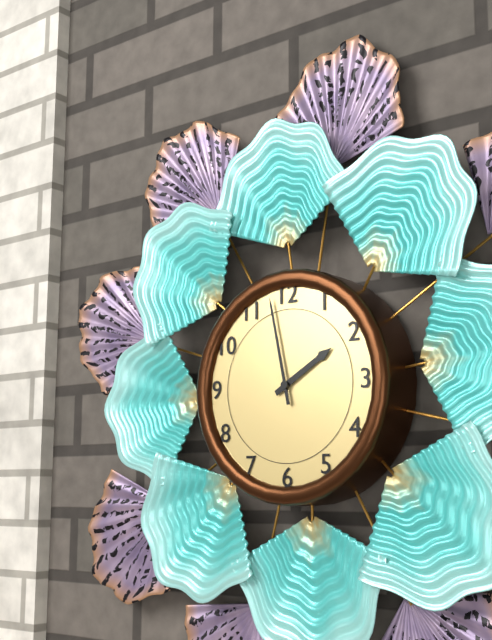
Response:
1,58
